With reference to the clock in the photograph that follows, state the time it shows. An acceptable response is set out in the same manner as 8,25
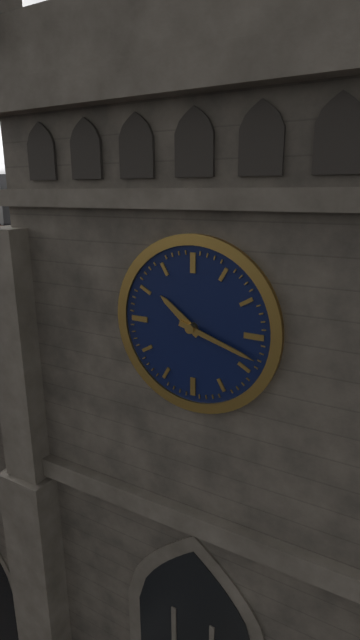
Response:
10,18
